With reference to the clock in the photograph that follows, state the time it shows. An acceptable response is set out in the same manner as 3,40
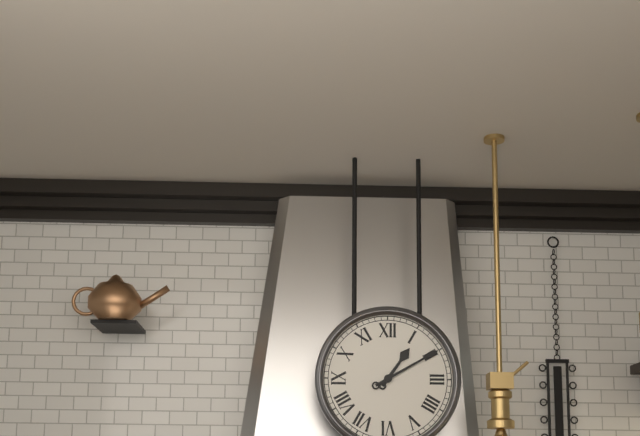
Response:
1,10
